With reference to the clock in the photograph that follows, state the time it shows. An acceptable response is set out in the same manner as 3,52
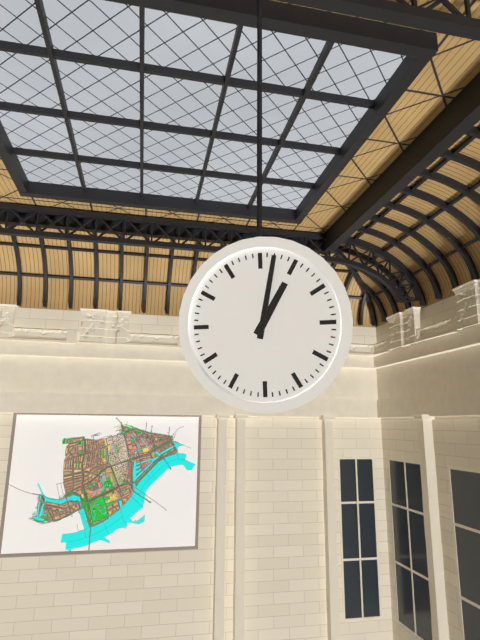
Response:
1,02
